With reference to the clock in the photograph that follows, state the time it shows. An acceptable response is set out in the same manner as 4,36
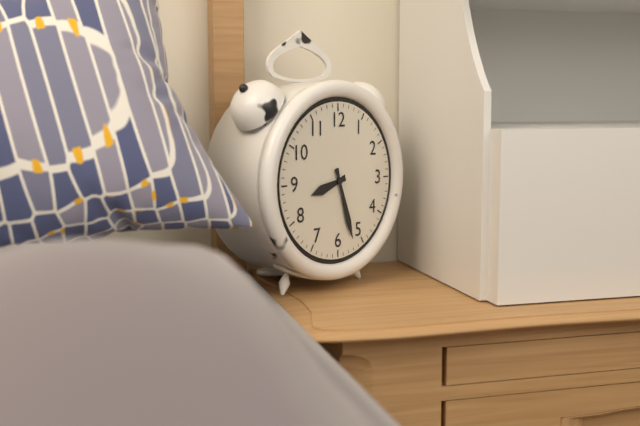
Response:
8,27
